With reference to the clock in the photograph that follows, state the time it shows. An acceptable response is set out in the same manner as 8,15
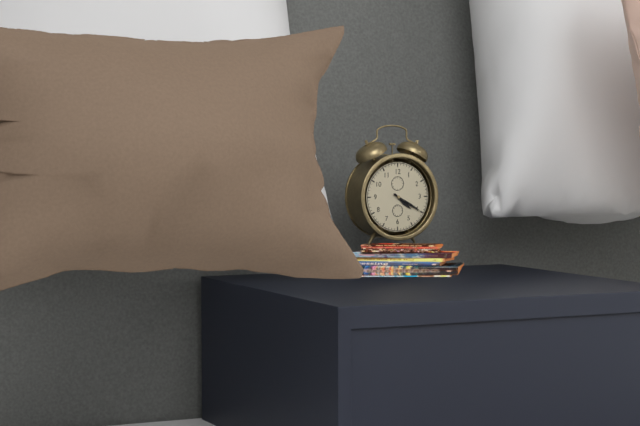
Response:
4,20
